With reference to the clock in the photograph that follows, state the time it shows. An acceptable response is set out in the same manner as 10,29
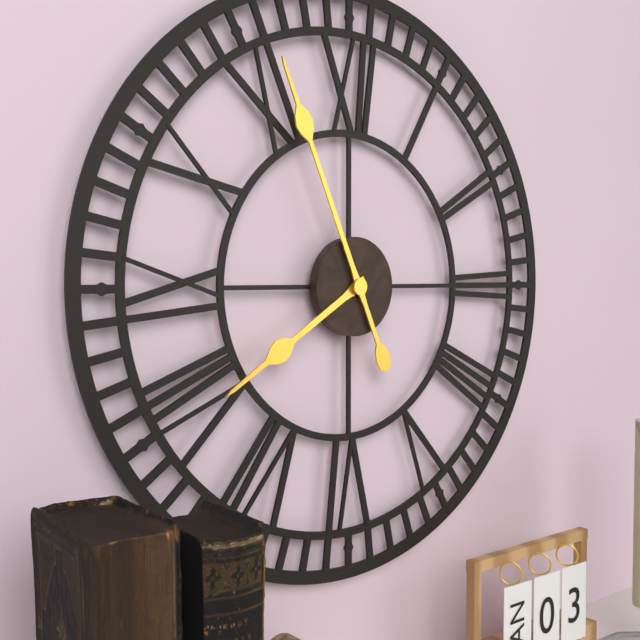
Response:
7,56
